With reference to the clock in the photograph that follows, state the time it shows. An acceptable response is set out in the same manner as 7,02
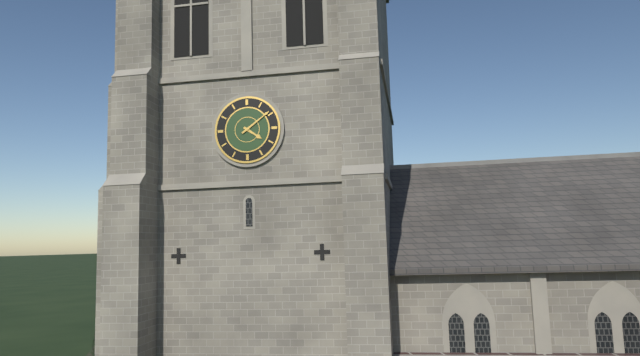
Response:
4,09
